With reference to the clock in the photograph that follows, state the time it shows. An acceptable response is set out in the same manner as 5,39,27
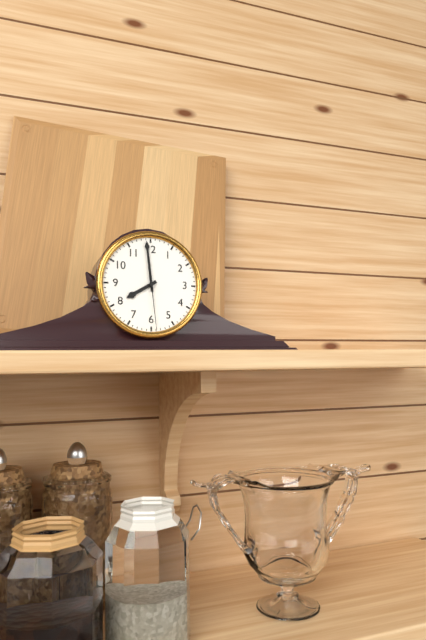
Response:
7,59,29
